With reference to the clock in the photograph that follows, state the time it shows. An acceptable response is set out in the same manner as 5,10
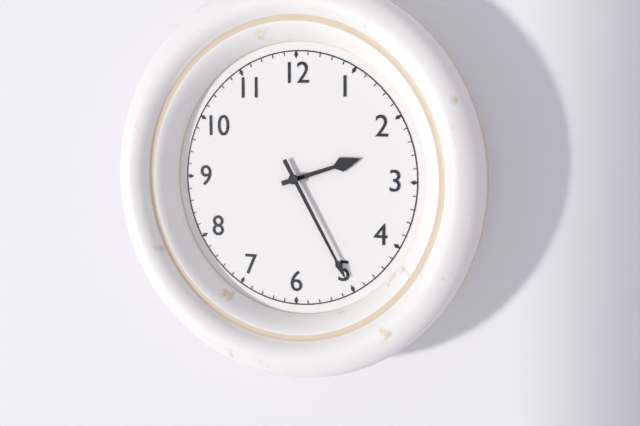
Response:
2,25
